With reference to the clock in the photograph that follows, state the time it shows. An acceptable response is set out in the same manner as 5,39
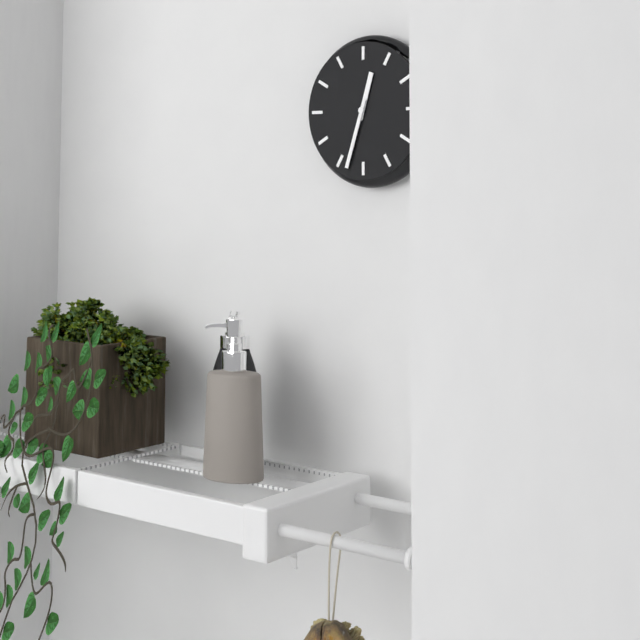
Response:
12,33
